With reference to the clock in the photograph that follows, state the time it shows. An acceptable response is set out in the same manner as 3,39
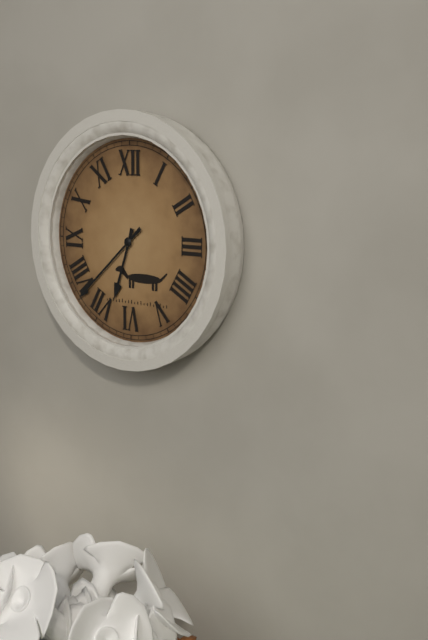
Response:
6,38
